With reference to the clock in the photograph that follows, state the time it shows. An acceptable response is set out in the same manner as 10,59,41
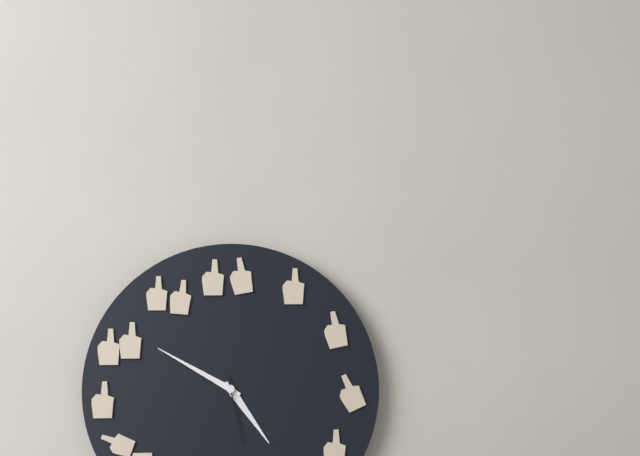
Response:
4,50,28
